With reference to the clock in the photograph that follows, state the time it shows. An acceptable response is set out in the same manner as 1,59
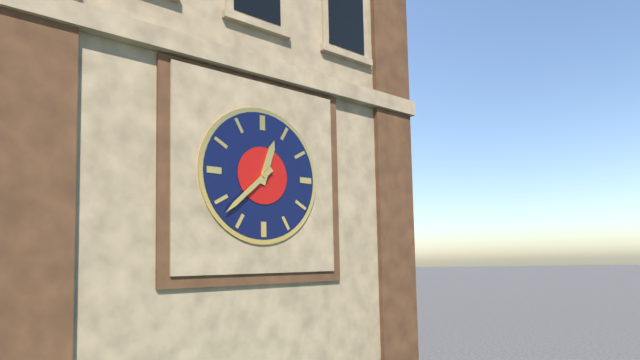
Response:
12,38
